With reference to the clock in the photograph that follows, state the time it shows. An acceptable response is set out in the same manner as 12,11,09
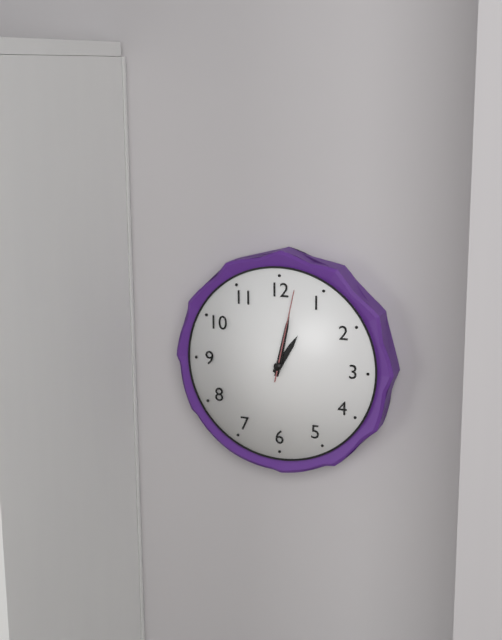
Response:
1,02,02
